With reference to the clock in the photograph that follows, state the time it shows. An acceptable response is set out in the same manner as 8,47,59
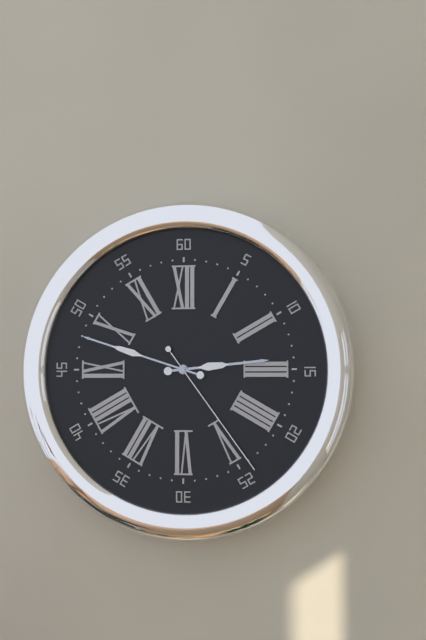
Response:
2,48,24
